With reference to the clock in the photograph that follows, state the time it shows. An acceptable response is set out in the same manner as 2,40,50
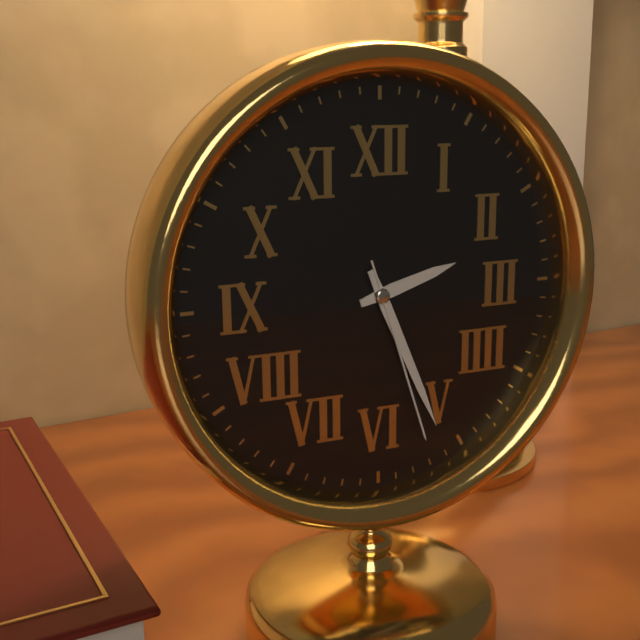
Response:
2,26,27
